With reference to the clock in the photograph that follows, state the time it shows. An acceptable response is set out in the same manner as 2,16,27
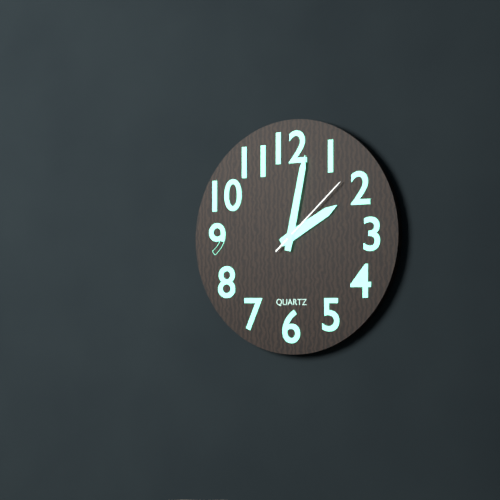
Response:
2,02,08
